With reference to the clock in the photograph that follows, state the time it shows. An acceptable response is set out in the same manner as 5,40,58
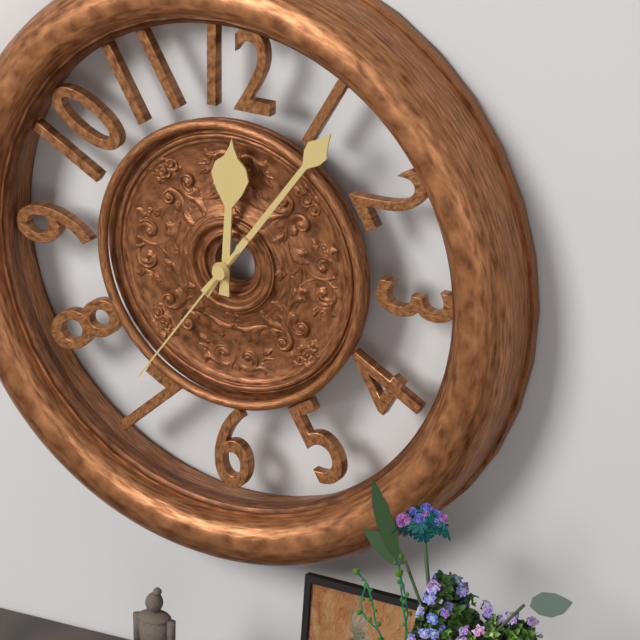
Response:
12,06,36
